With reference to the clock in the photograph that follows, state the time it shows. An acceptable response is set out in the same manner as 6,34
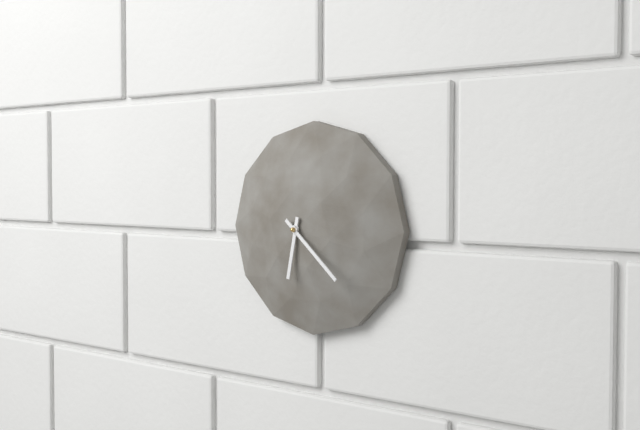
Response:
6,22
